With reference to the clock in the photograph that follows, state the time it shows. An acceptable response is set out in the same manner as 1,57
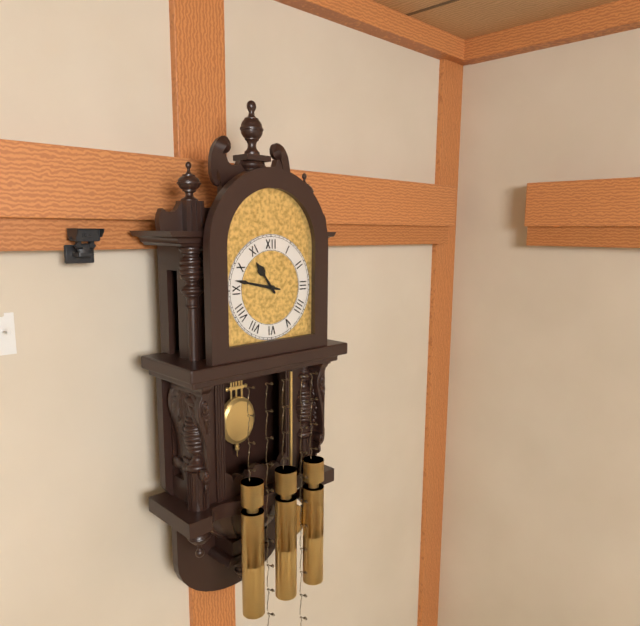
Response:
10,47
